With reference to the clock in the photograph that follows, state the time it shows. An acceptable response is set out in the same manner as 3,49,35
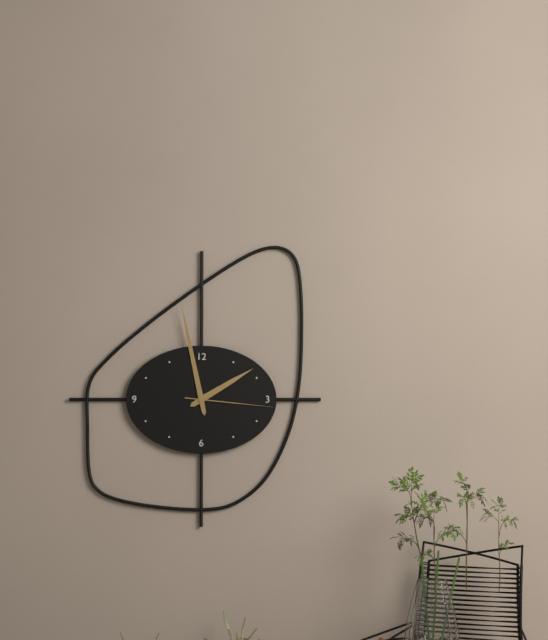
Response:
1,58,16
